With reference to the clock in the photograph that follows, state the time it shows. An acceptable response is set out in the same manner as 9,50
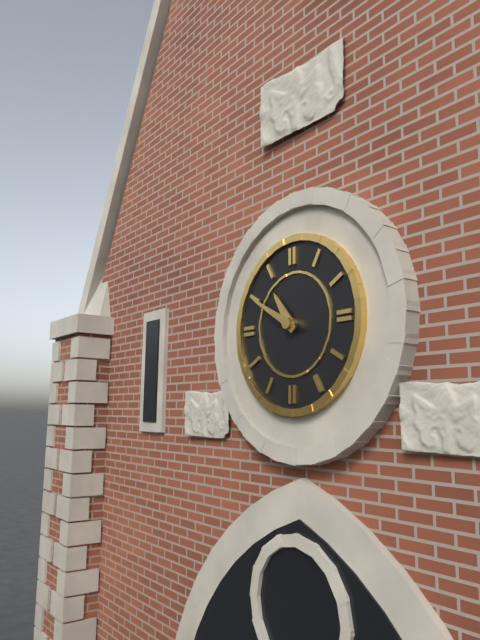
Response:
10,50
